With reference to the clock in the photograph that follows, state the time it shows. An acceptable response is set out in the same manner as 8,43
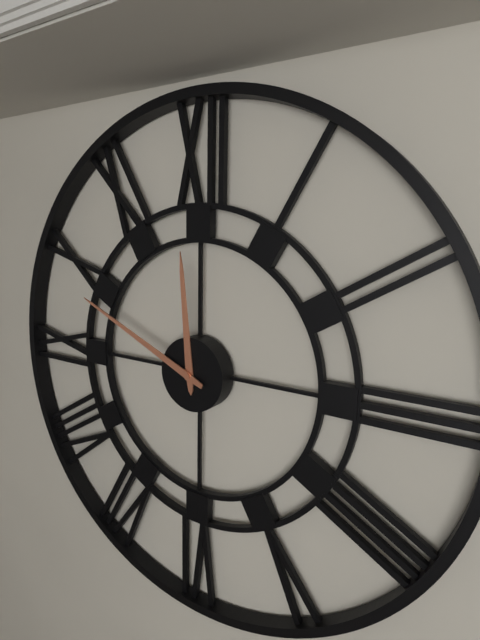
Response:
11,49
